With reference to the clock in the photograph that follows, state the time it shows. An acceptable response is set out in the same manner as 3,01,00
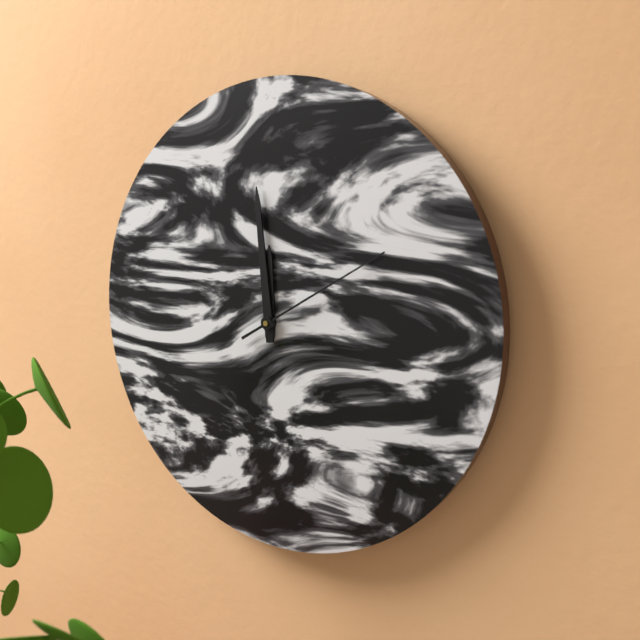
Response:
11,59,10
